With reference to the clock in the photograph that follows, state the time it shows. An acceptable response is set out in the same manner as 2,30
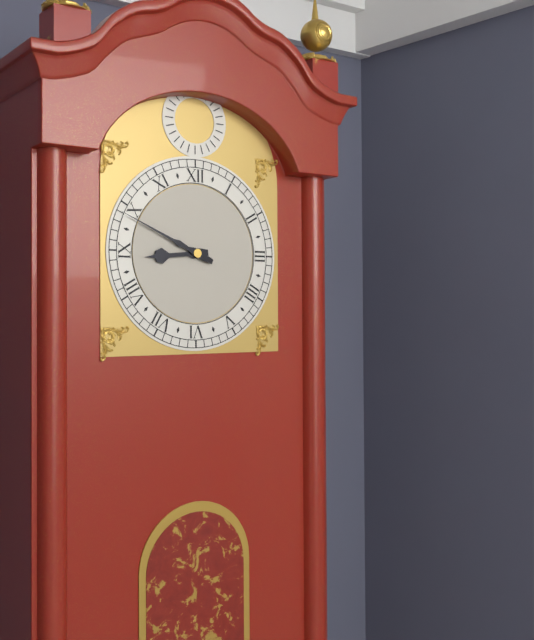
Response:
8,49
